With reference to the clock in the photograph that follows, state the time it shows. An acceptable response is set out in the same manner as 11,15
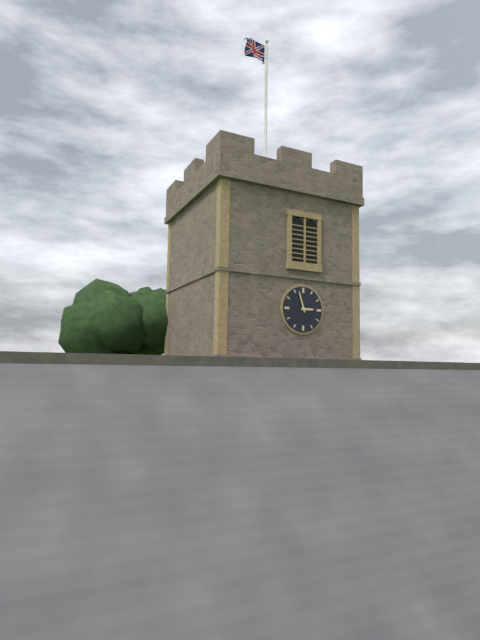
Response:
2,57
